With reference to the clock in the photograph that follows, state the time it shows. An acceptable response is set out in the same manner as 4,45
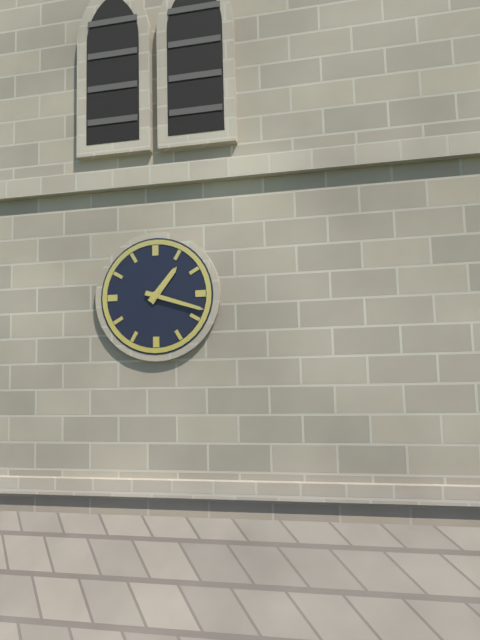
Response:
1,18
